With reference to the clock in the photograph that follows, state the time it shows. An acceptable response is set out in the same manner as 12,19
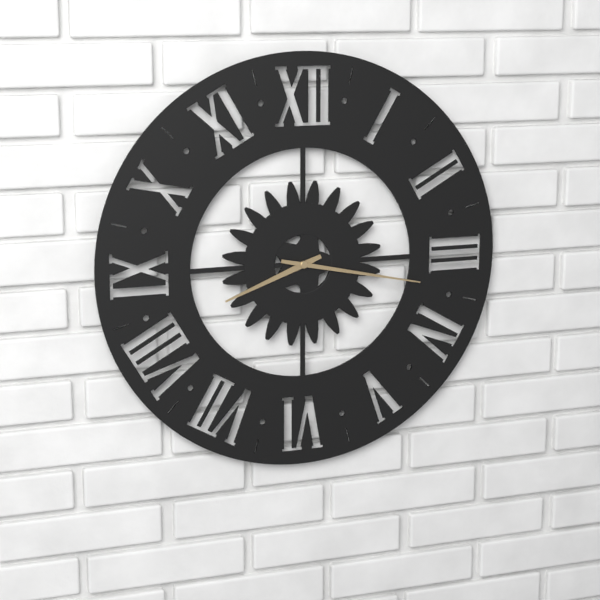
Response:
8,17
